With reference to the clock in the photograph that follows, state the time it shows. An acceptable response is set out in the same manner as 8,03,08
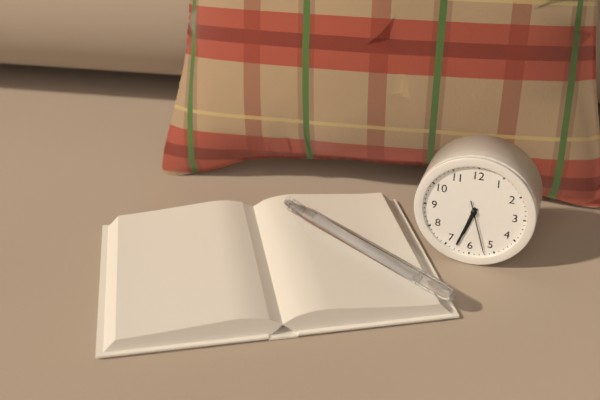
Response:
6,33,27
